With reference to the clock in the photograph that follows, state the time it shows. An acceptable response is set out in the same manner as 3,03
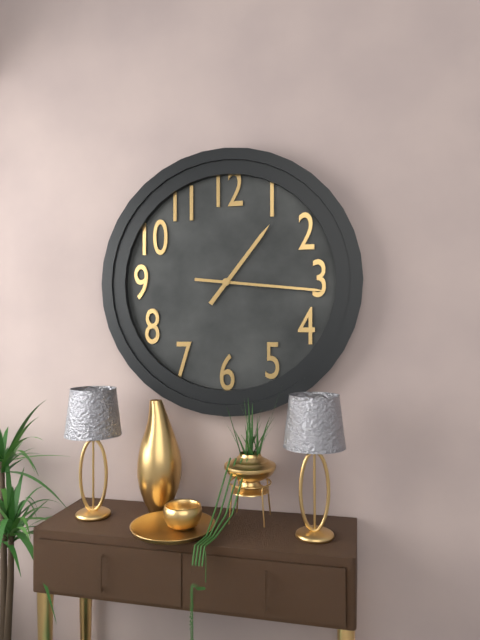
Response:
1,16
